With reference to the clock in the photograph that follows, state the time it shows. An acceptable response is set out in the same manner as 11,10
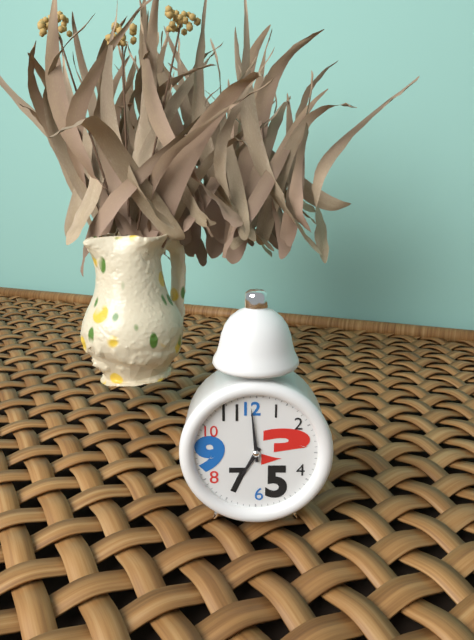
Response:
6,59
